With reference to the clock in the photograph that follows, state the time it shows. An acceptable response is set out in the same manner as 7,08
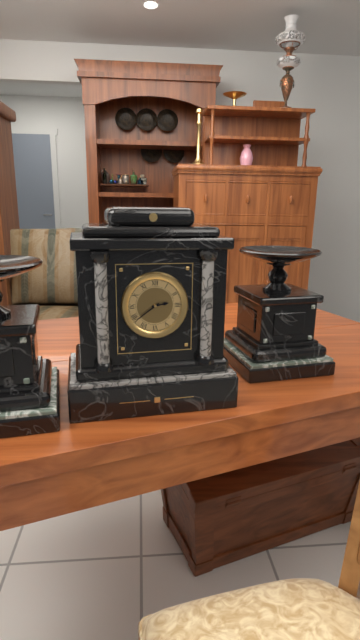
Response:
2,39
